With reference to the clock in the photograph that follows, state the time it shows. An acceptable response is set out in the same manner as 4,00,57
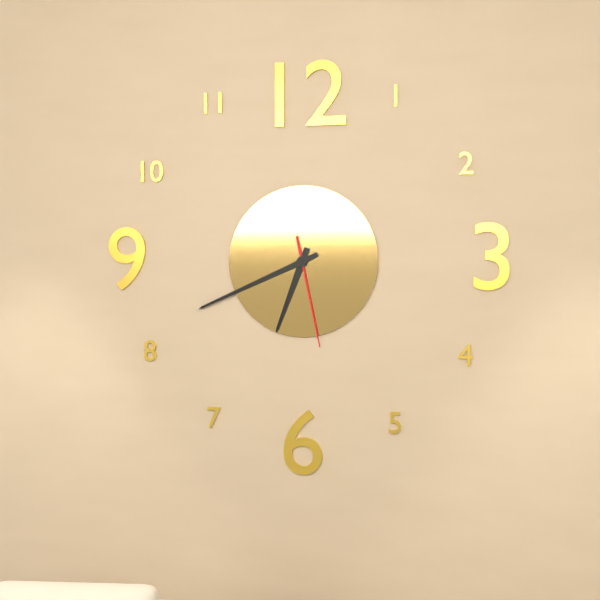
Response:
6,41,28
